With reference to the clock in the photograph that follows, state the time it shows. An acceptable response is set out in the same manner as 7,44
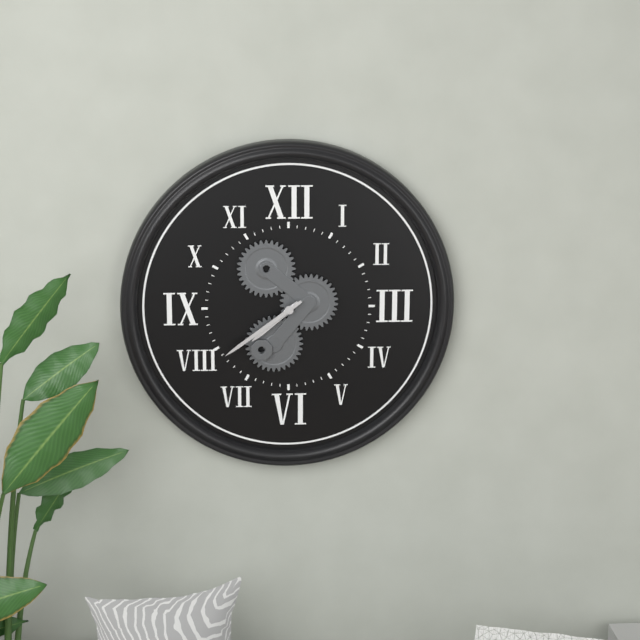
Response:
7,39
